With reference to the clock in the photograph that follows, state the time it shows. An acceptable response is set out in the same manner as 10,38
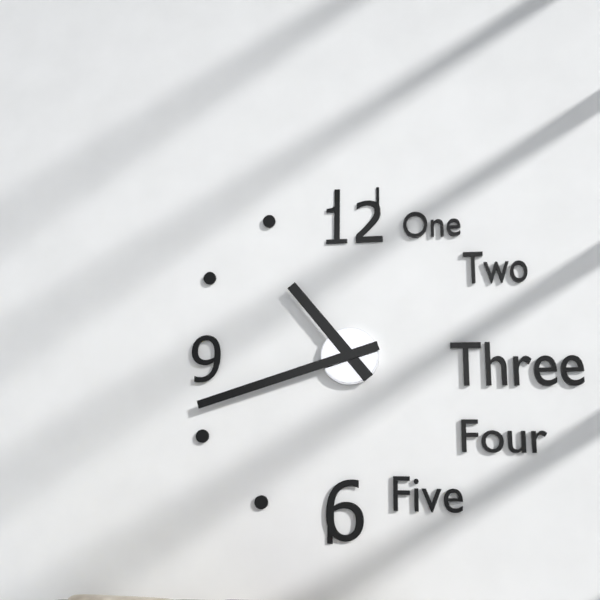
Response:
10,42
